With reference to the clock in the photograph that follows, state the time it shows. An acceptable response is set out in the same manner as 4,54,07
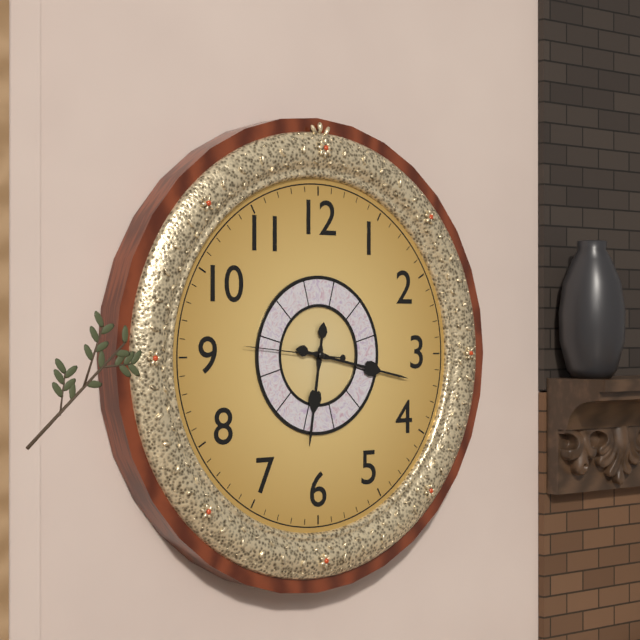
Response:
6,17,46
